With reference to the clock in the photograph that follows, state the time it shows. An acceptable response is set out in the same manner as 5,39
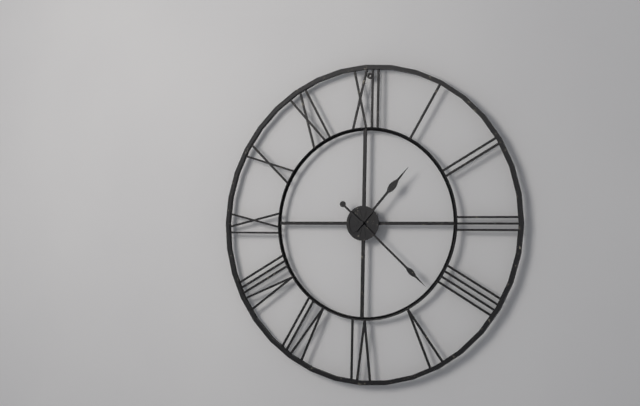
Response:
1,22
